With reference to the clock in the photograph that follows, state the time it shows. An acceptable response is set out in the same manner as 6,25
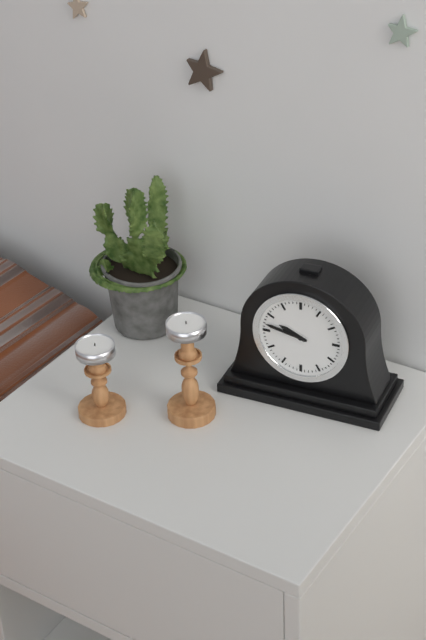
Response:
9,47
